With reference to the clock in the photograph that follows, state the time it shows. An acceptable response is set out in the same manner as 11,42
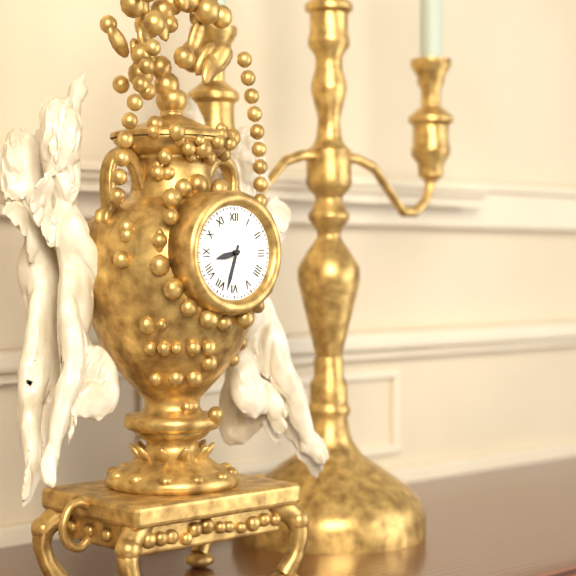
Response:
8,33
